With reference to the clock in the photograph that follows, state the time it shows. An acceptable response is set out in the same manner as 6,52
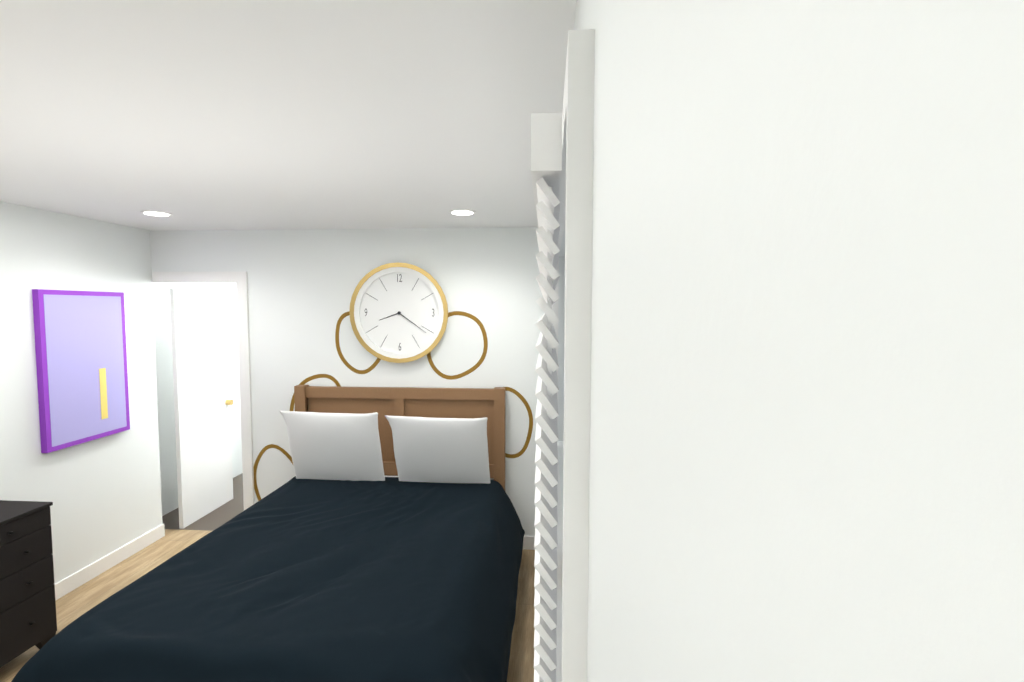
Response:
8,21
